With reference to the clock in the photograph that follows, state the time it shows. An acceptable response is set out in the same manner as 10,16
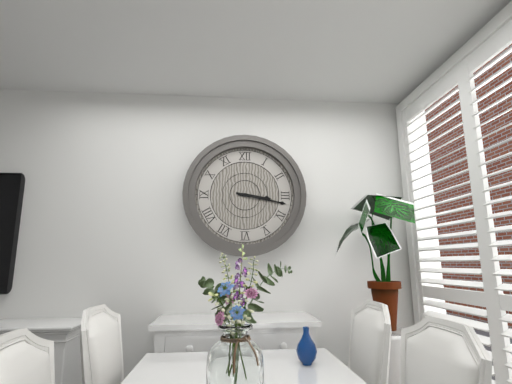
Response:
3,17
